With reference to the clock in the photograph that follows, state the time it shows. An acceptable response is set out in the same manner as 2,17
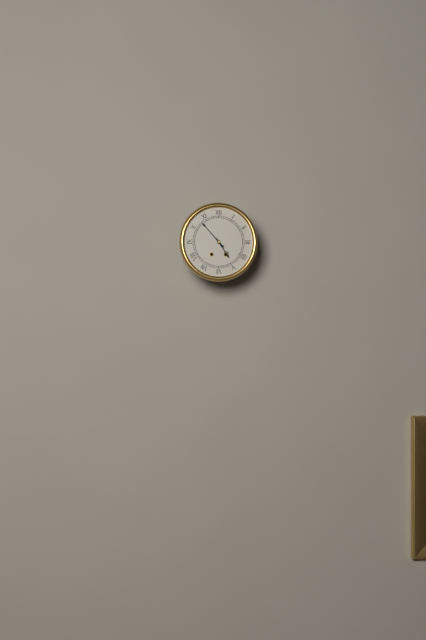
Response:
4,53
